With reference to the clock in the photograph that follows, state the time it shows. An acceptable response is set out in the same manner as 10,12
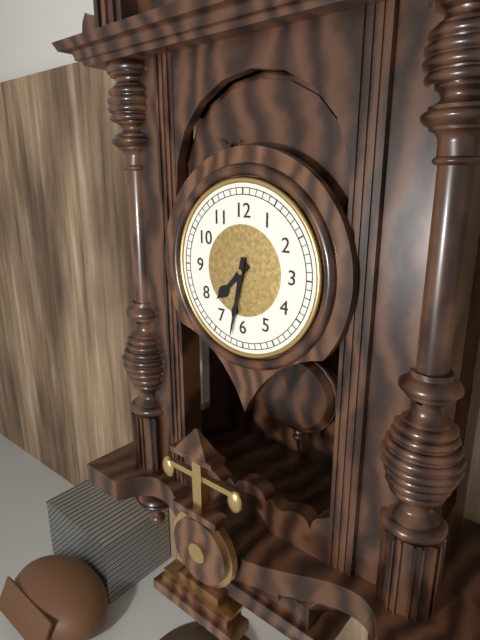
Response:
7,32
